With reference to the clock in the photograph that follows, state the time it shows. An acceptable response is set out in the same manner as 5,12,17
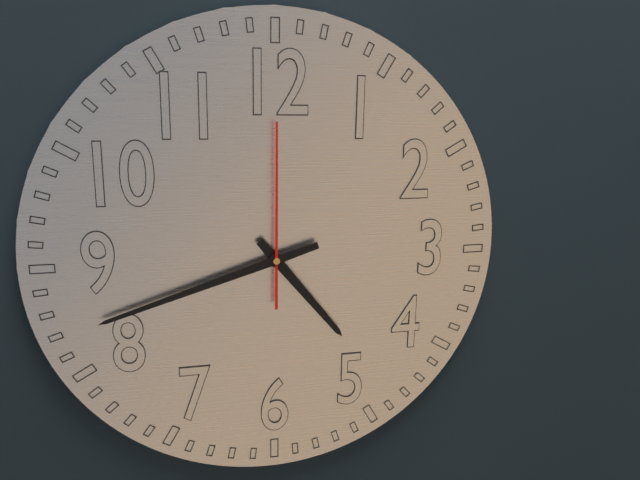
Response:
4,42,00
